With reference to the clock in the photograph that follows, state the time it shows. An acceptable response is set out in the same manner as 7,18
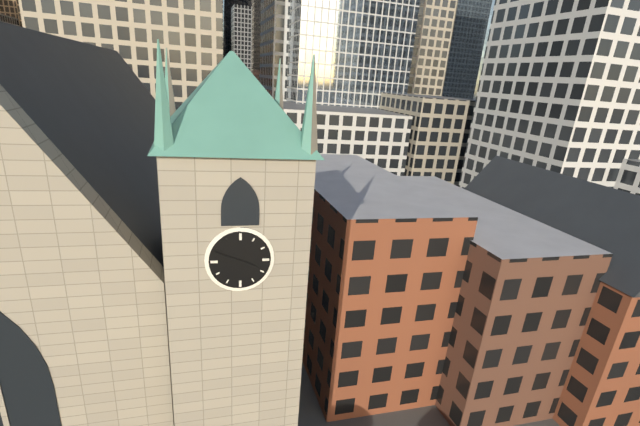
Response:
3,49
